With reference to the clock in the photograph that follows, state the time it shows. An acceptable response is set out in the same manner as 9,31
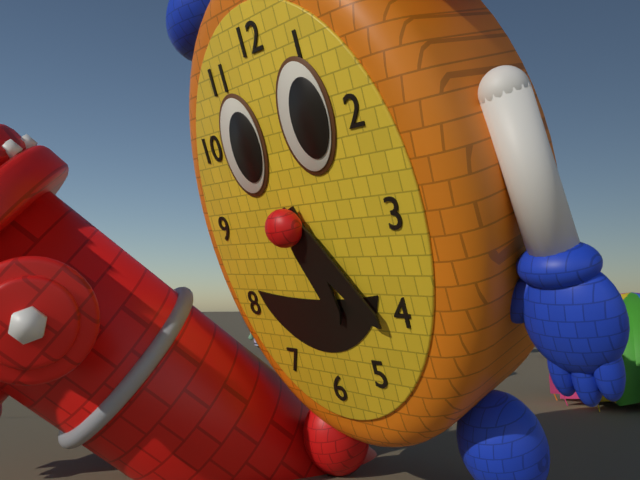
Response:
5,23
